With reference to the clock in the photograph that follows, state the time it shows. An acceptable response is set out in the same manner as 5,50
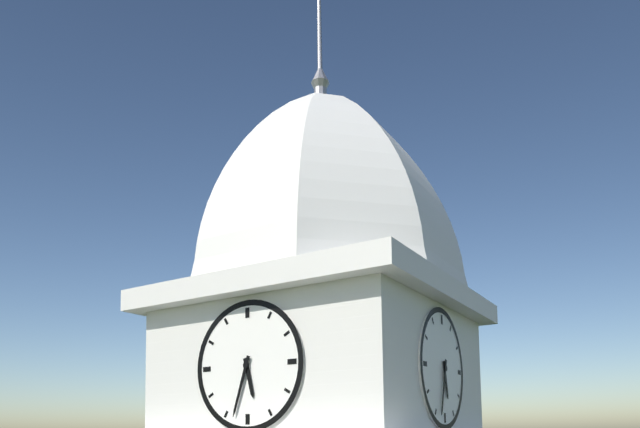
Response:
5,33
